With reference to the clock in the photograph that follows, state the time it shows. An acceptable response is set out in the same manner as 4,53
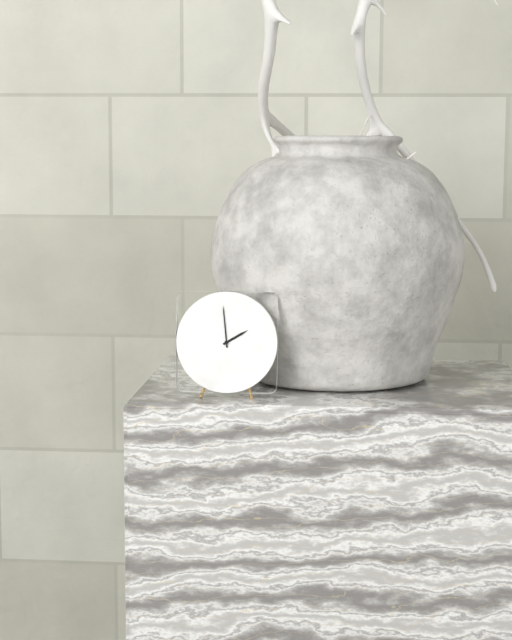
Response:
1,59
